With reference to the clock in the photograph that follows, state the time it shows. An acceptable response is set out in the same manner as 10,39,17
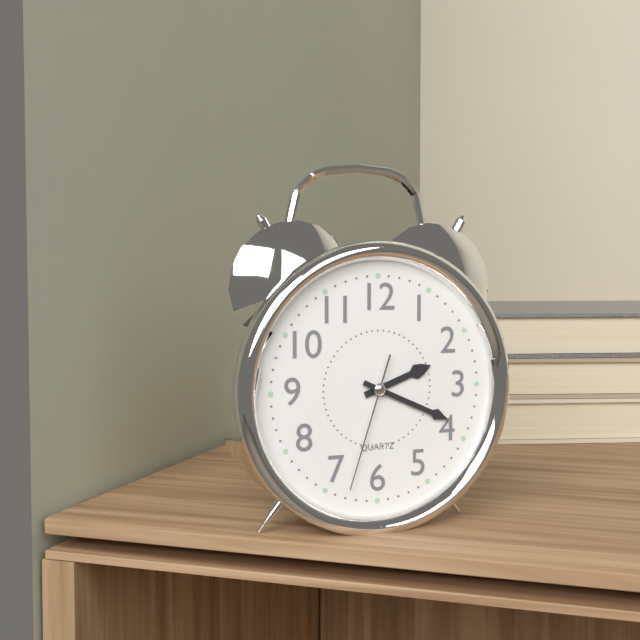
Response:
2,19,33
